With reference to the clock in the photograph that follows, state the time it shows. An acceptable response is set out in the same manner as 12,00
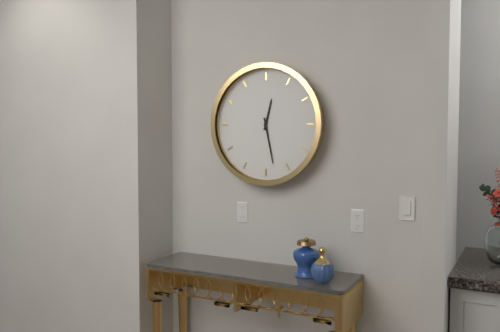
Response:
12,28
